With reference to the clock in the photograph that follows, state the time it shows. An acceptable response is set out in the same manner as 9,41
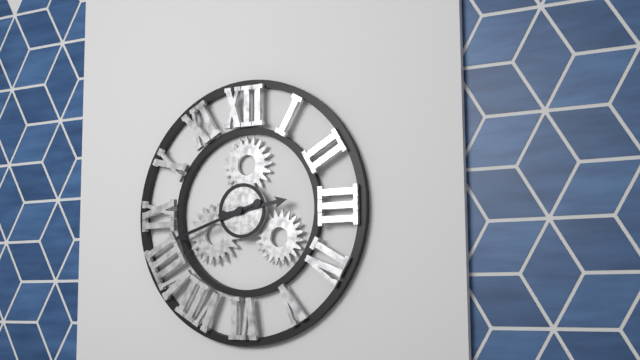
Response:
2,42
